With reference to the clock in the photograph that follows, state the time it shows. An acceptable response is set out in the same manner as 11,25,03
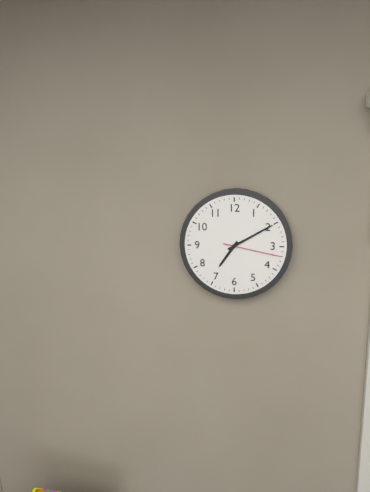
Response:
7,10,17
